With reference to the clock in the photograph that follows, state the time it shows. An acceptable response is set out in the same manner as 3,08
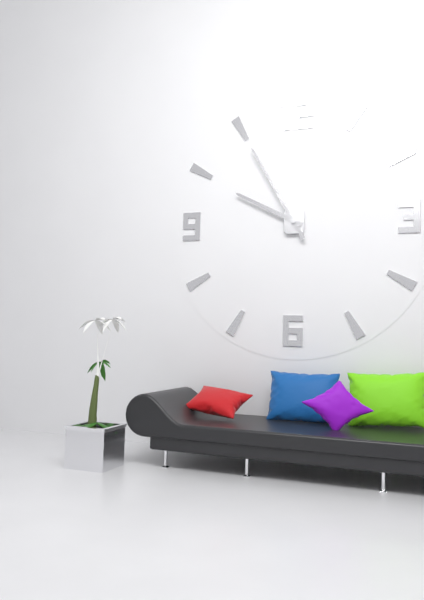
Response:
9,55
